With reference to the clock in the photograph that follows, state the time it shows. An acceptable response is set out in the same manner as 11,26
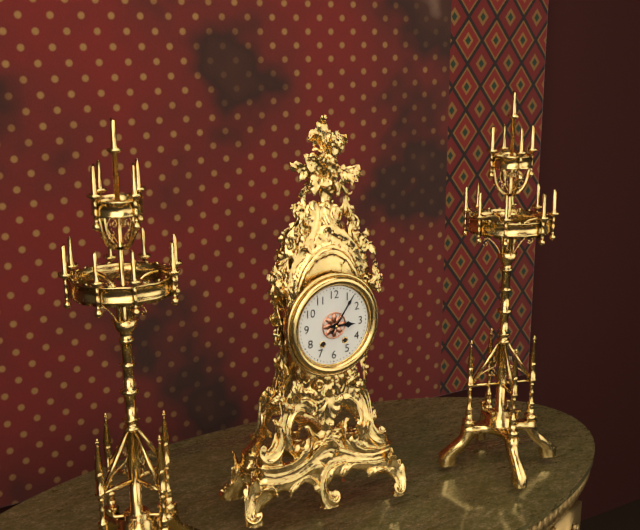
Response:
3,06
